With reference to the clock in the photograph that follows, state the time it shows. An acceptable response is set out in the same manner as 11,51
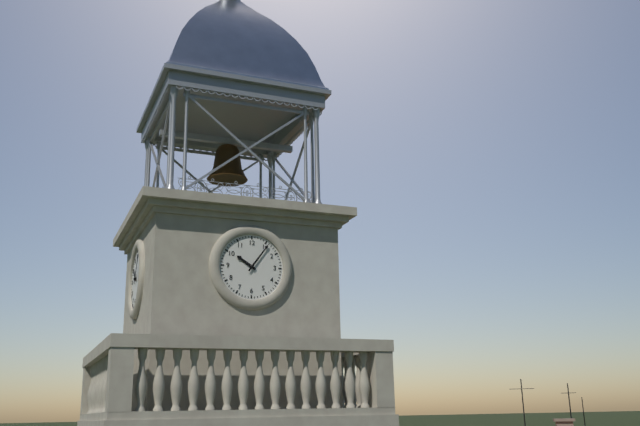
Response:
10,06
